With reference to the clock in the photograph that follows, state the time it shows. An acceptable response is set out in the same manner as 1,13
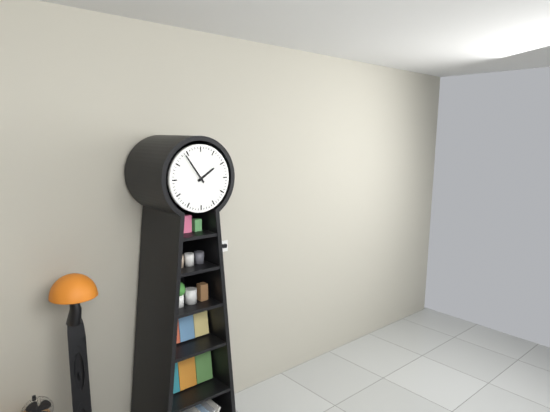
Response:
1,54
